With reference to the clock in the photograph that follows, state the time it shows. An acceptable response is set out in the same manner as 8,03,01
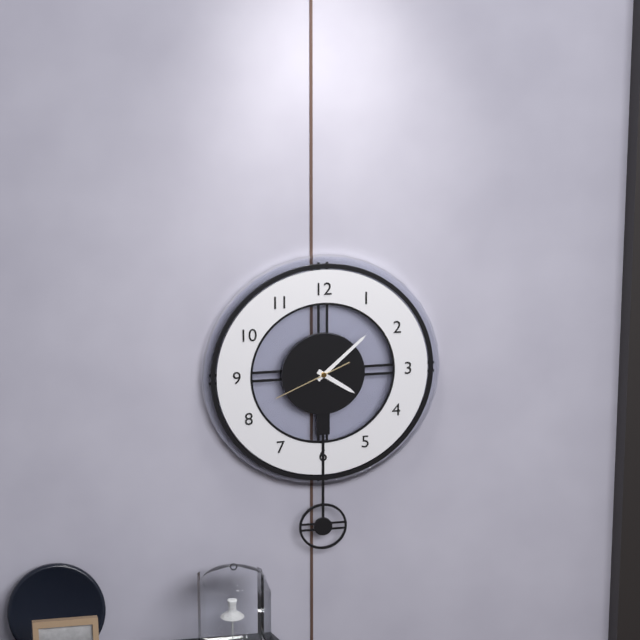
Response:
4,08,41
